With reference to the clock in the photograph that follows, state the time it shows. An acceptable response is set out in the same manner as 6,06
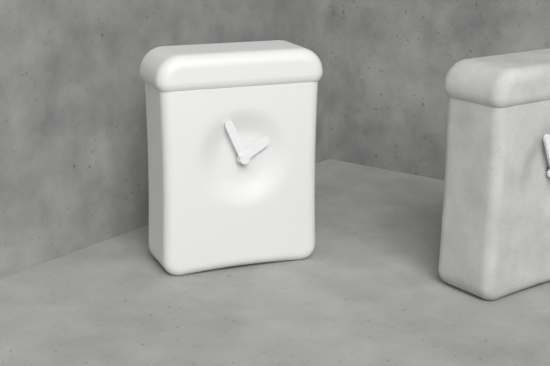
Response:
1,56
